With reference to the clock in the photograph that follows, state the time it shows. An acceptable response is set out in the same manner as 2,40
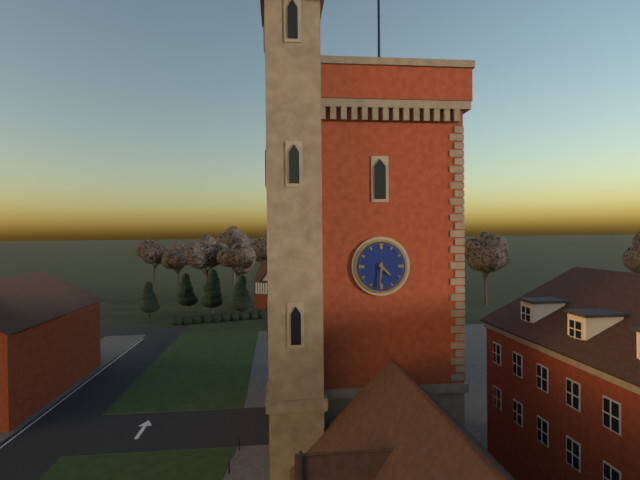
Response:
4,31
